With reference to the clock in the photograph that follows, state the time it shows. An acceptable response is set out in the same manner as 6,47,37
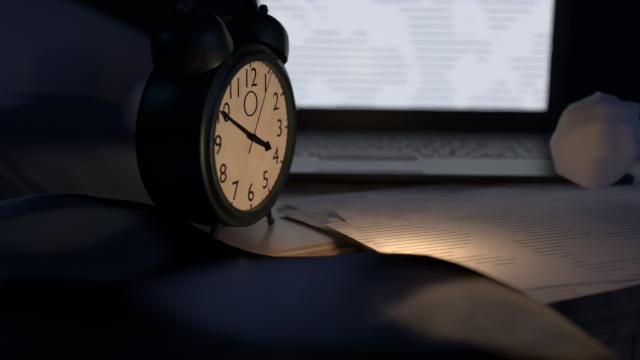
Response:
3,50,05
